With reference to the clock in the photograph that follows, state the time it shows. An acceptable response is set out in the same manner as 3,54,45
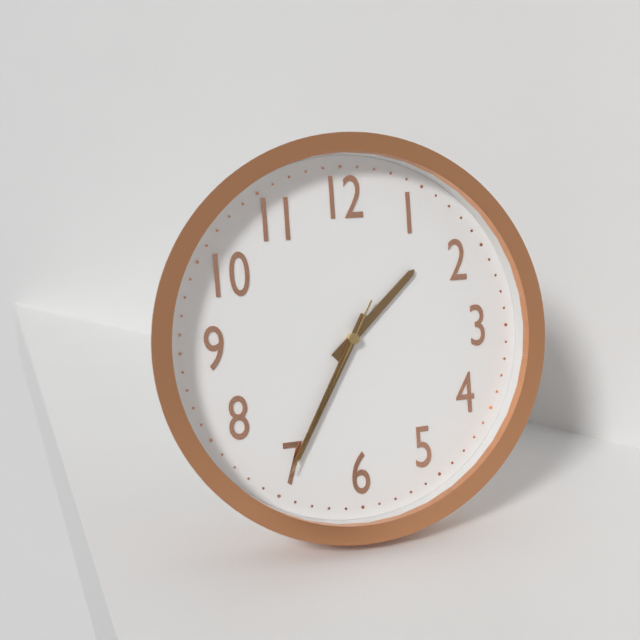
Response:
1,35,35
